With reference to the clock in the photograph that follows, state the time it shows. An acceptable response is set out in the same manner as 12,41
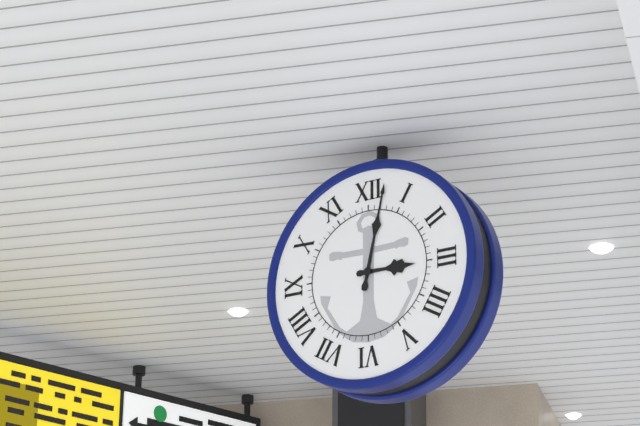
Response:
3,02
